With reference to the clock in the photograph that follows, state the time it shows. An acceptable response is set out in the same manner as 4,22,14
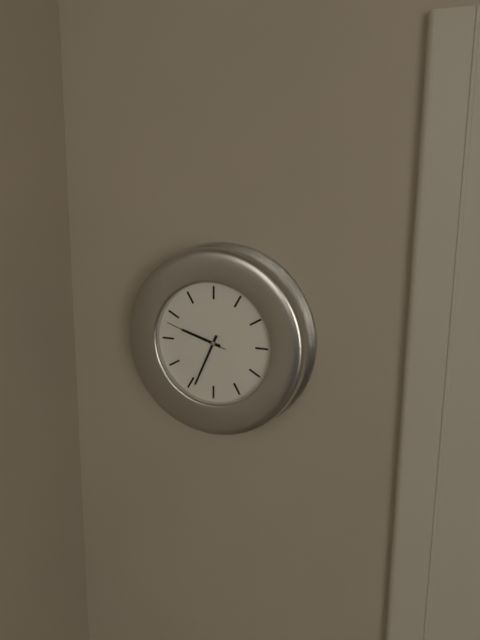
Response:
9,34,48
